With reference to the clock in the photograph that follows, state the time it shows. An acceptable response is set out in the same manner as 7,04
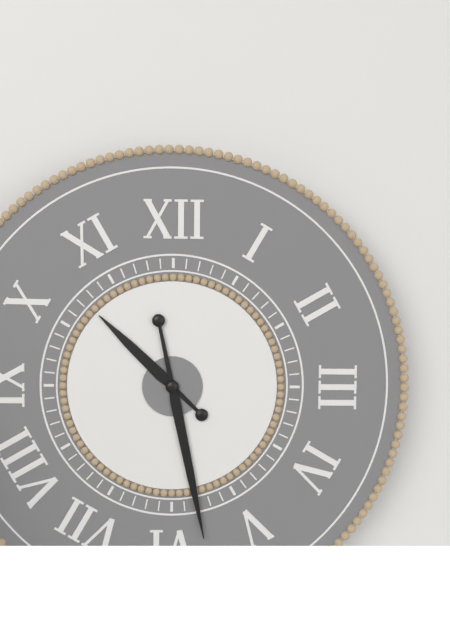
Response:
10,28
